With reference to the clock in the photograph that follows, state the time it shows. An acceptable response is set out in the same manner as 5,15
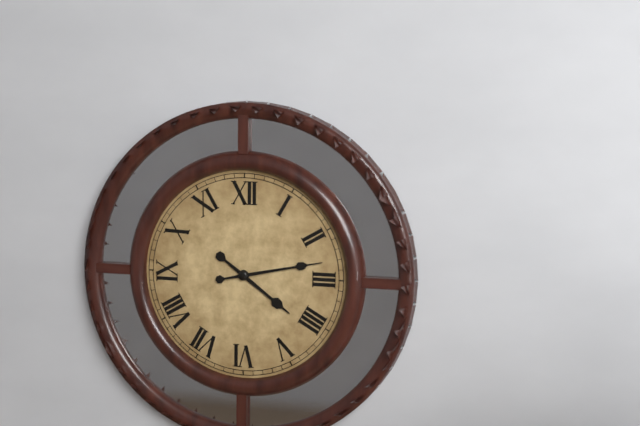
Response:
4,13
